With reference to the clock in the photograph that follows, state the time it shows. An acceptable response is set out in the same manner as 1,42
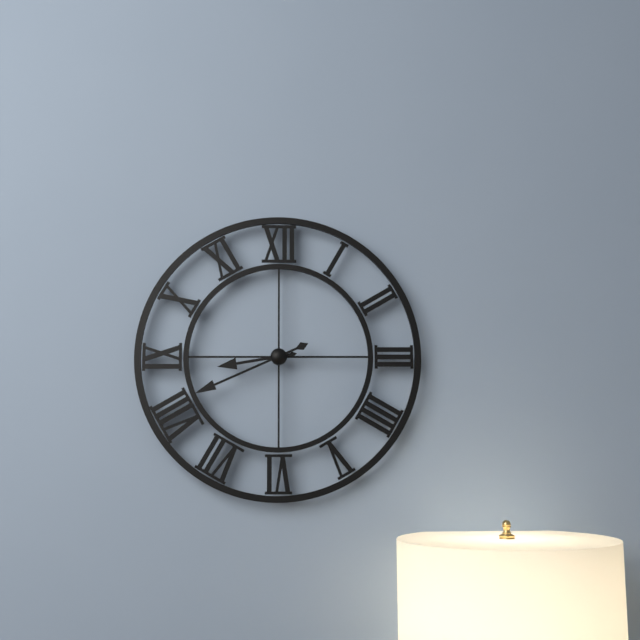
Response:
8,41
